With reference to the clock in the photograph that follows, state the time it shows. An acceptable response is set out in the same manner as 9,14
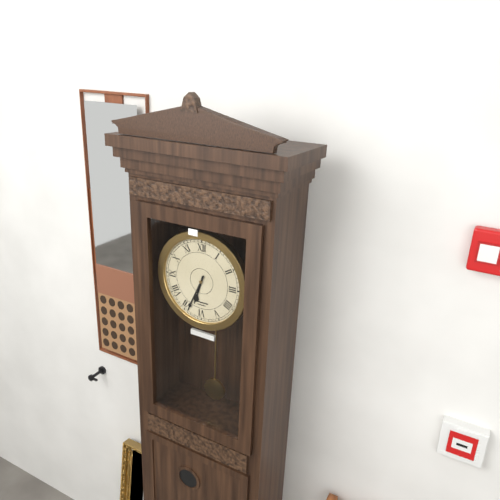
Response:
6,34
